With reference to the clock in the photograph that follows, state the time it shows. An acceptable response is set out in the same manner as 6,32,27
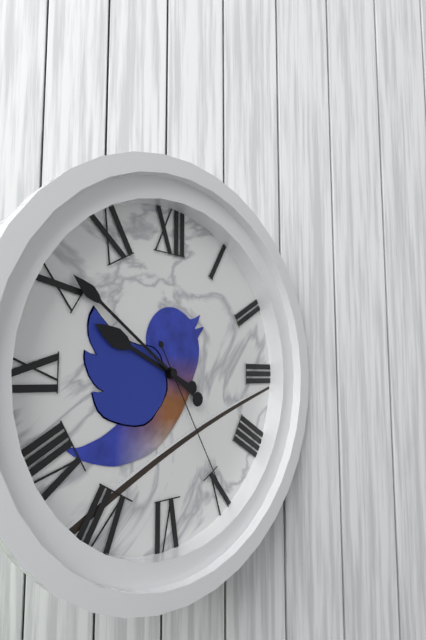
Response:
9,51,25
